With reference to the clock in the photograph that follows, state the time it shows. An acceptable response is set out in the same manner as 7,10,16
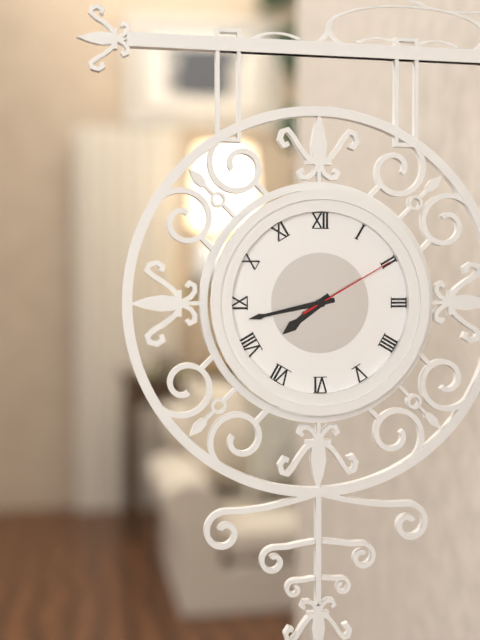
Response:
7,43,10
